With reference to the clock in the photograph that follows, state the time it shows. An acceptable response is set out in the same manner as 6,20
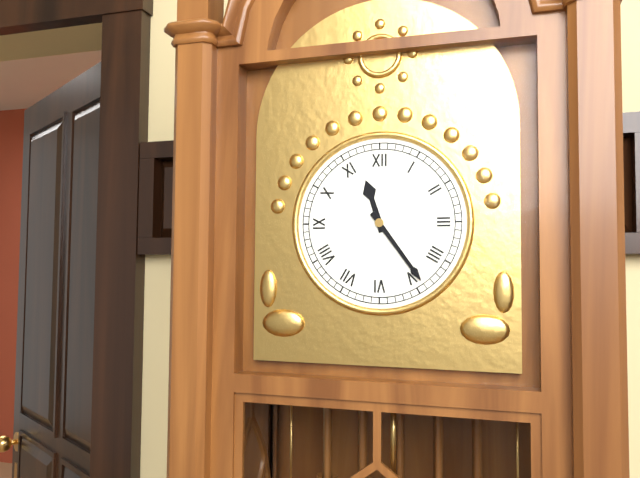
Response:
11,24
